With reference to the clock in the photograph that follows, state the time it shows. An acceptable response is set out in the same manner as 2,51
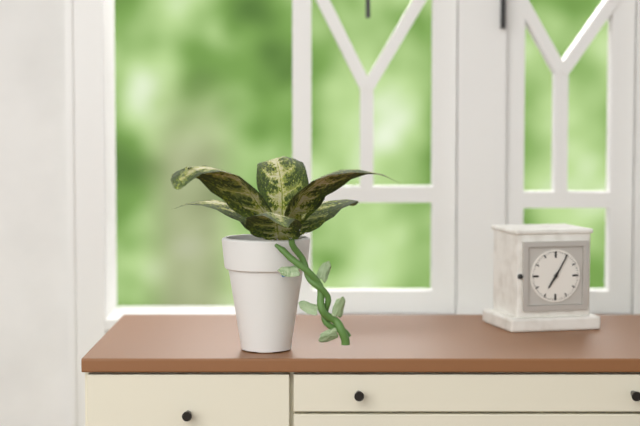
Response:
7,05
